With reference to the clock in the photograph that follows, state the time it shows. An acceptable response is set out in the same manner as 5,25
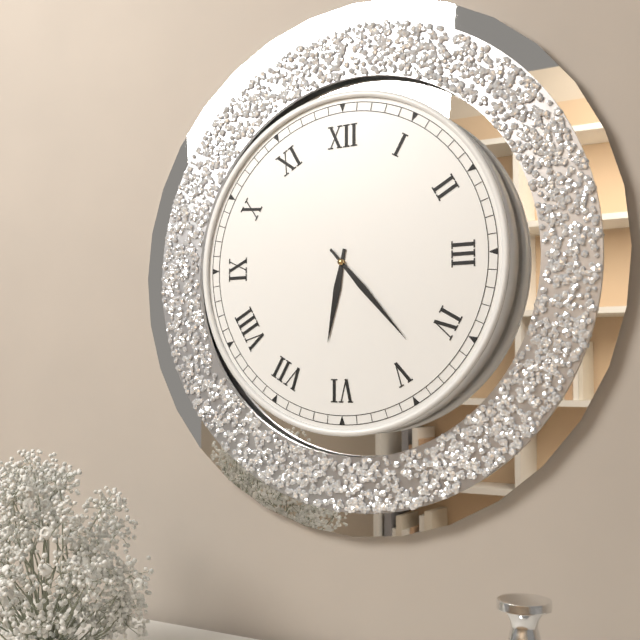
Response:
6,23
